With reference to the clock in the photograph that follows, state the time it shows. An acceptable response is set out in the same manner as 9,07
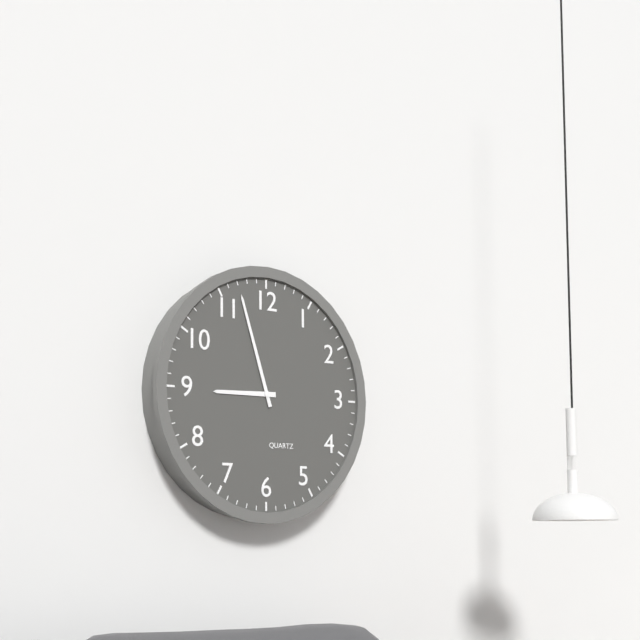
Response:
8,57
